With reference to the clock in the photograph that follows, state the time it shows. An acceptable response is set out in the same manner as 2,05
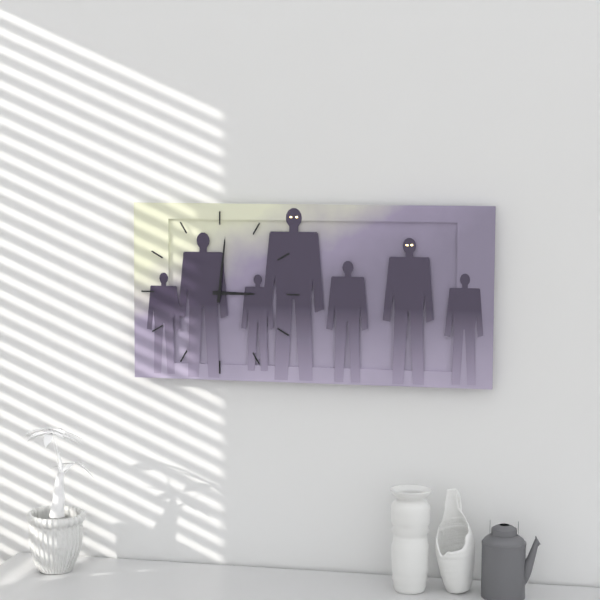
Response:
3,01
